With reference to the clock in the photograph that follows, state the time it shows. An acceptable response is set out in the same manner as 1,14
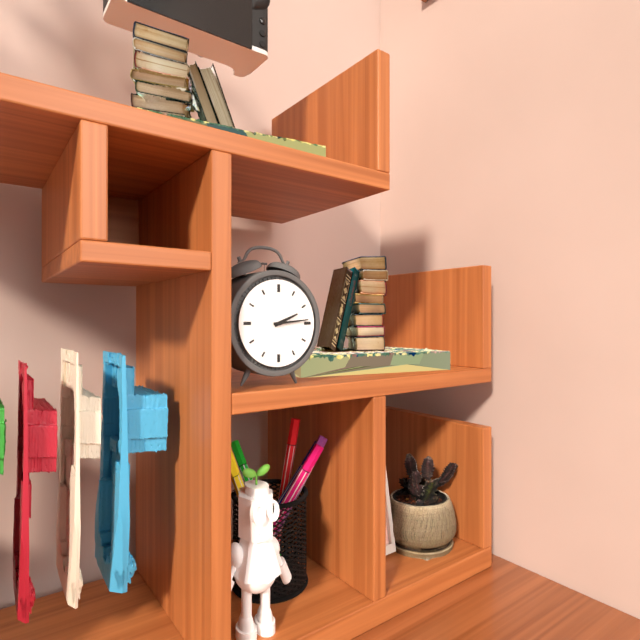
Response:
2,14
